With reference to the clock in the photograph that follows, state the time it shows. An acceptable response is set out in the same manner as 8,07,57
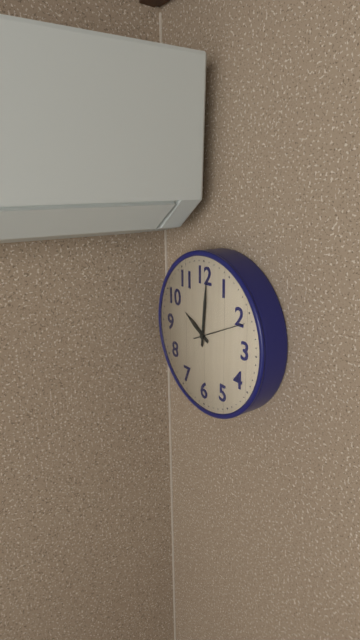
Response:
10,01,11
